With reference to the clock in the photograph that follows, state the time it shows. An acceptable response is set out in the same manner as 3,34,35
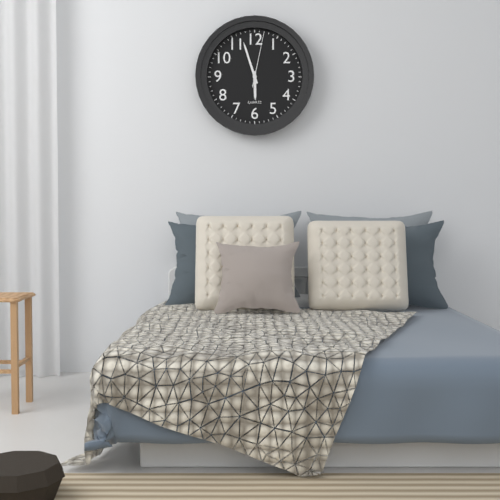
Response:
5,57,02
